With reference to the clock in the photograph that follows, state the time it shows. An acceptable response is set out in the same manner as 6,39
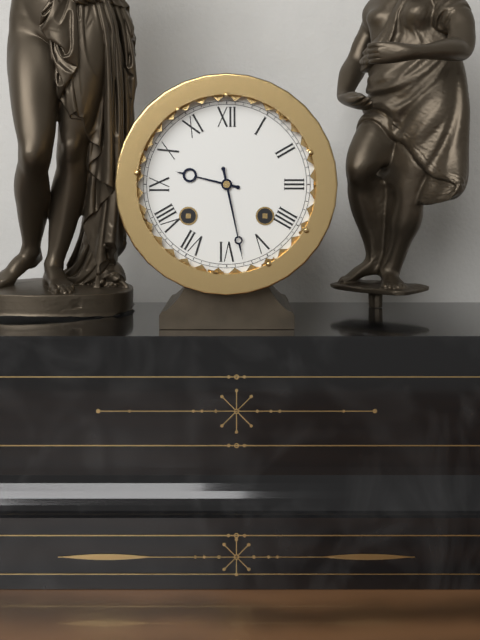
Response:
9,28
